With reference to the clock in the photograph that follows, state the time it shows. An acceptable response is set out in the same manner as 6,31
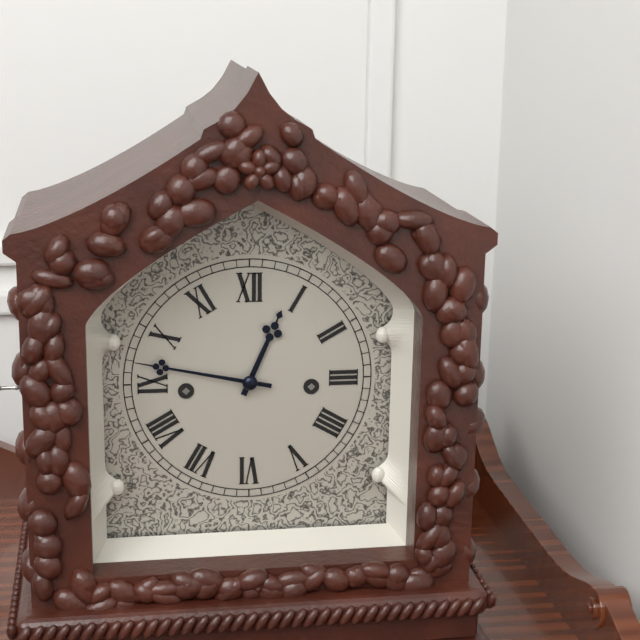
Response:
12,47
